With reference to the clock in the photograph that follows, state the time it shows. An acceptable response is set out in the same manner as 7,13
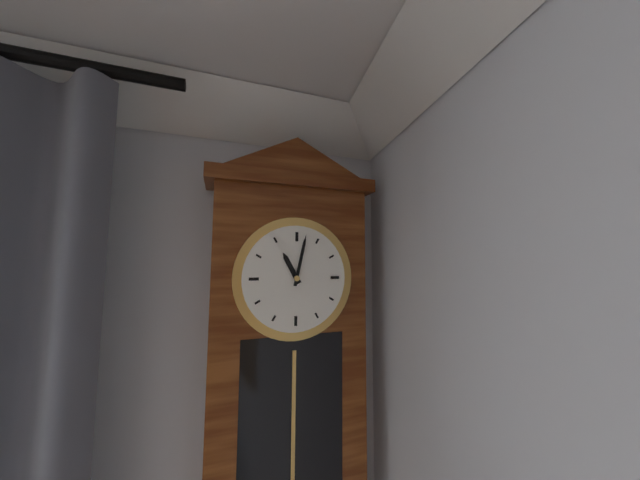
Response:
11,02
